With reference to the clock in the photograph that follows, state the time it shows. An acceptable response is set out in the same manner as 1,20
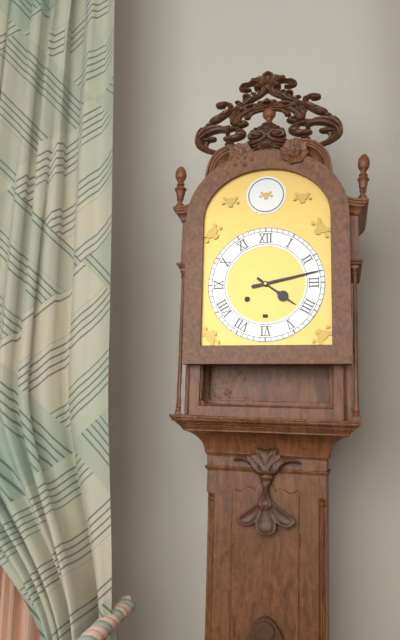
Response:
4,13
